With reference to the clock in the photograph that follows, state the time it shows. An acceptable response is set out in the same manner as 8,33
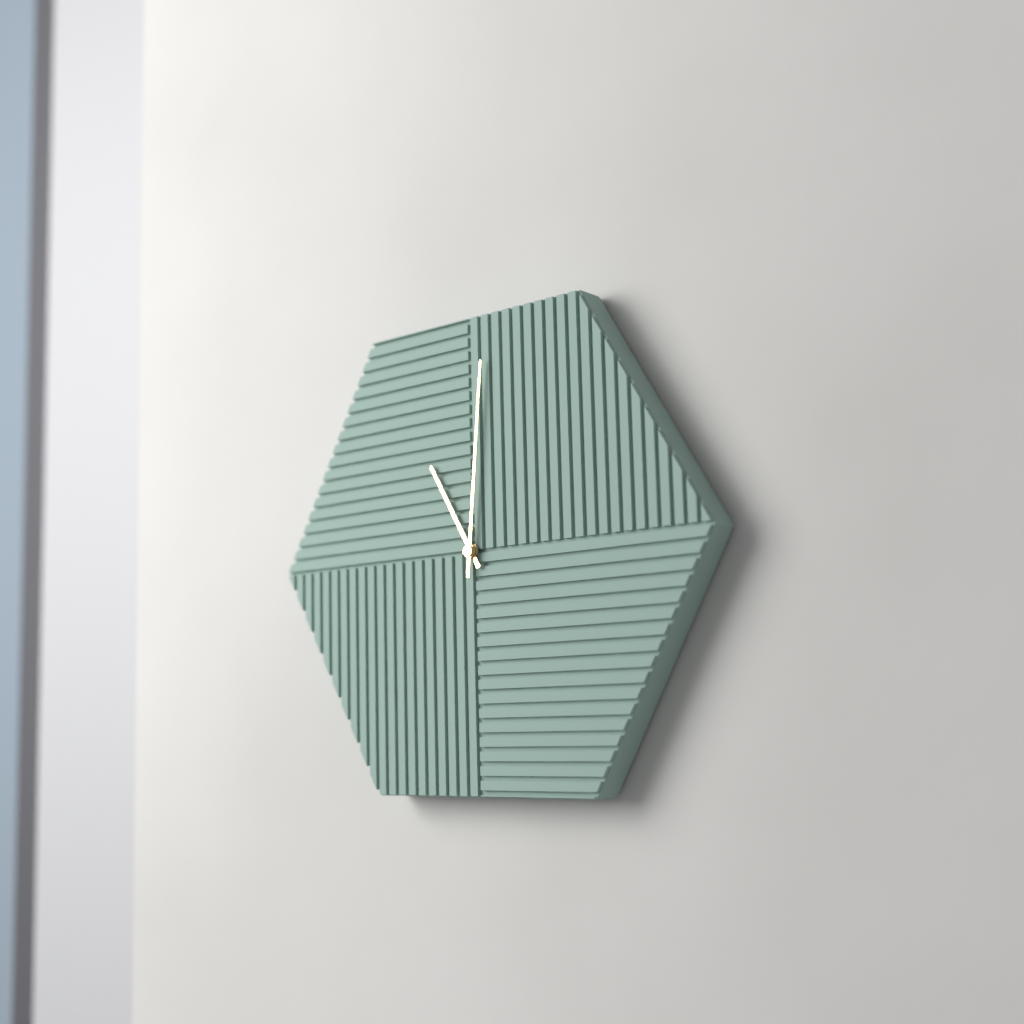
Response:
11,01
